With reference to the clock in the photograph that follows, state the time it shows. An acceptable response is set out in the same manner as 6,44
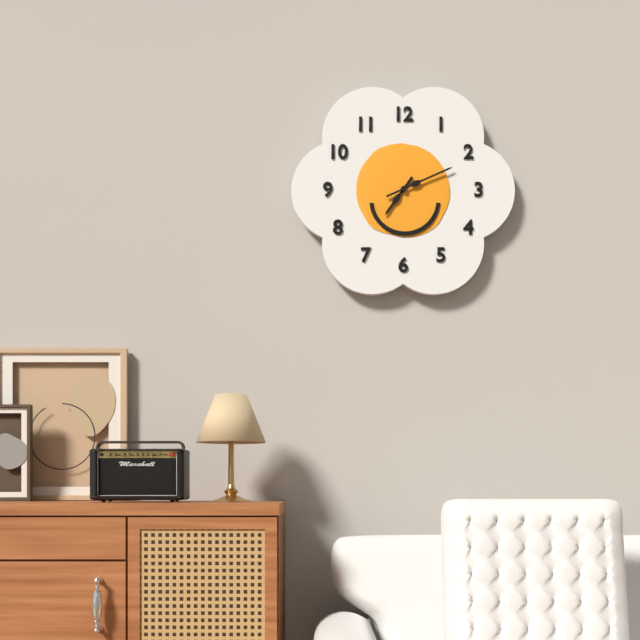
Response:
7,11
